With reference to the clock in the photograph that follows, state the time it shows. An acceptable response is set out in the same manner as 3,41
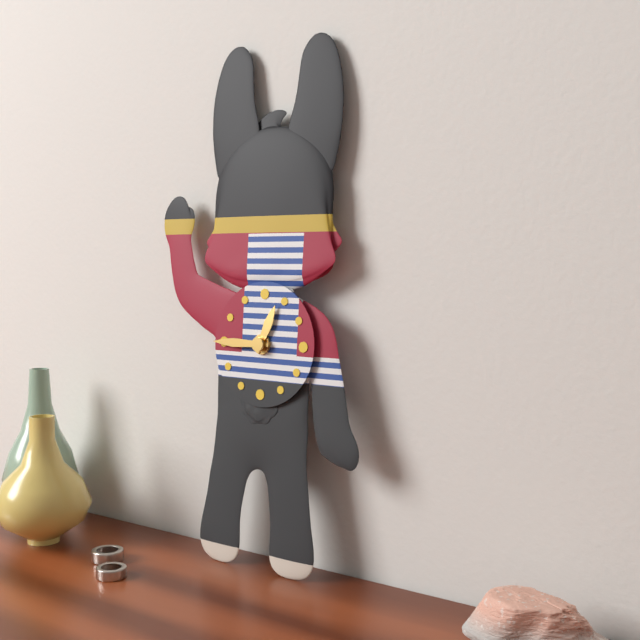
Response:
12,45
